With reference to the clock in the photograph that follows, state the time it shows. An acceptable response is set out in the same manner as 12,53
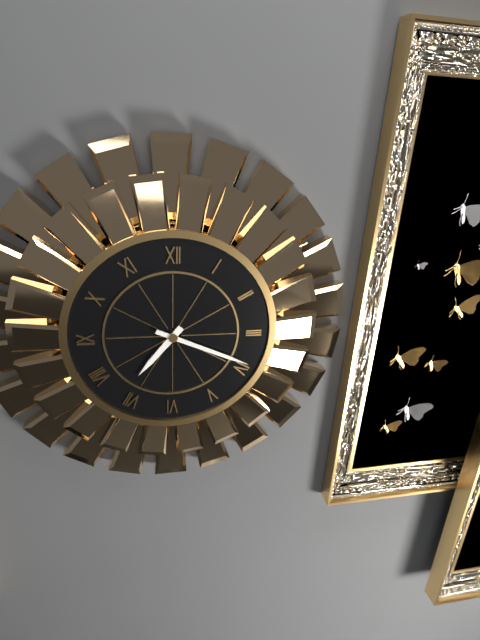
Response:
7,19
